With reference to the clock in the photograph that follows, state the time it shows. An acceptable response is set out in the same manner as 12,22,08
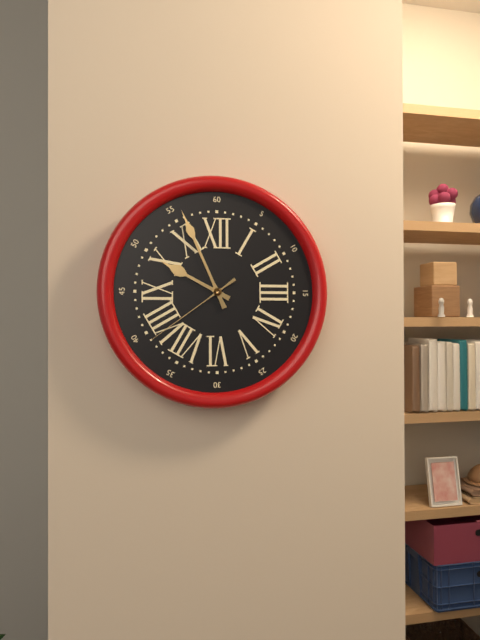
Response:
9,56,39
